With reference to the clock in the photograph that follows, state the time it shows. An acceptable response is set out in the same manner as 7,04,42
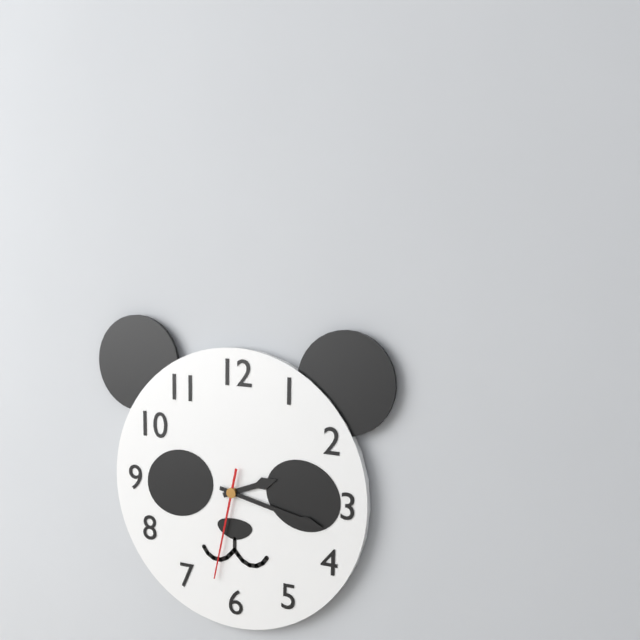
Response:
2,17,32
